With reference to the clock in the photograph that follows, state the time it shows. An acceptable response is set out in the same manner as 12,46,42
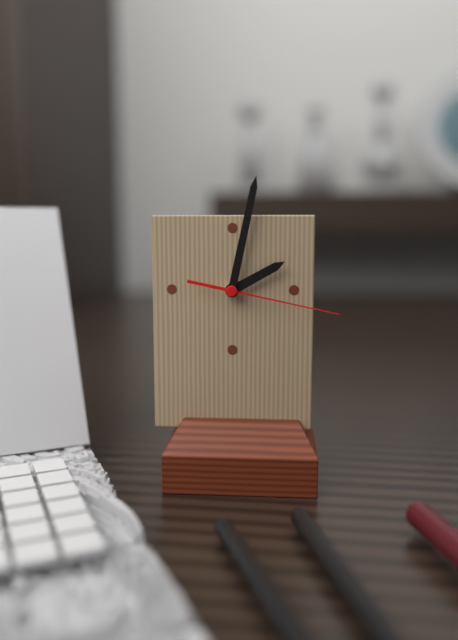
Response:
2,02,17
